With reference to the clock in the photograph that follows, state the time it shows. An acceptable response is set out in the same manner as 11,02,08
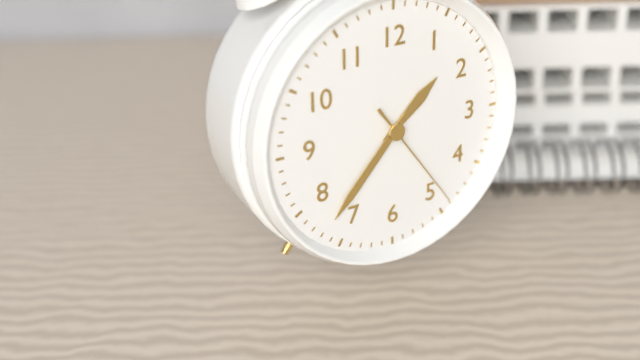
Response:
1,37,24
